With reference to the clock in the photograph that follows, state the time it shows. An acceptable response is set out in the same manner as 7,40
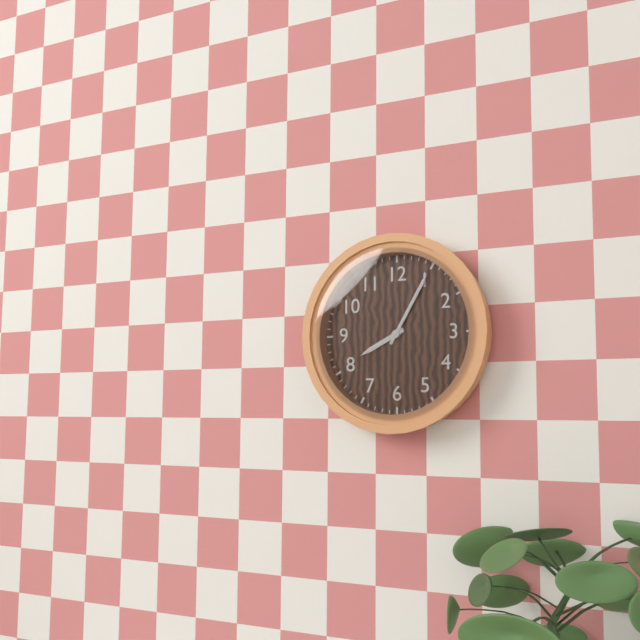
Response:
8,05
